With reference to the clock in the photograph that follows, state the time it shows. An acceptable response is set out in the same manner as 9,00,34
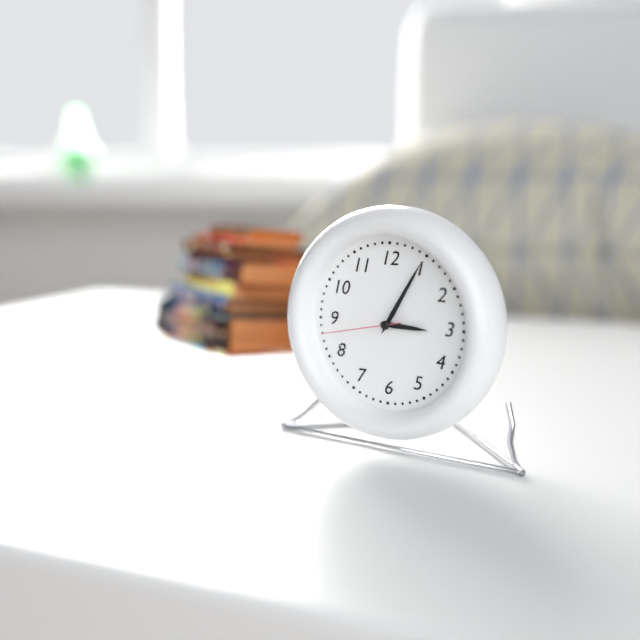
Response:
3,05,43
